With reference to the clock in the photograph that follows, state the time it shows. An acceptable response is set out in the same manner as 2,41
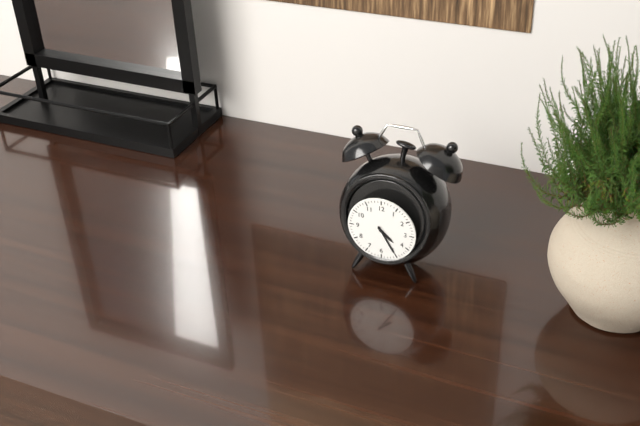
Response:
4,25
